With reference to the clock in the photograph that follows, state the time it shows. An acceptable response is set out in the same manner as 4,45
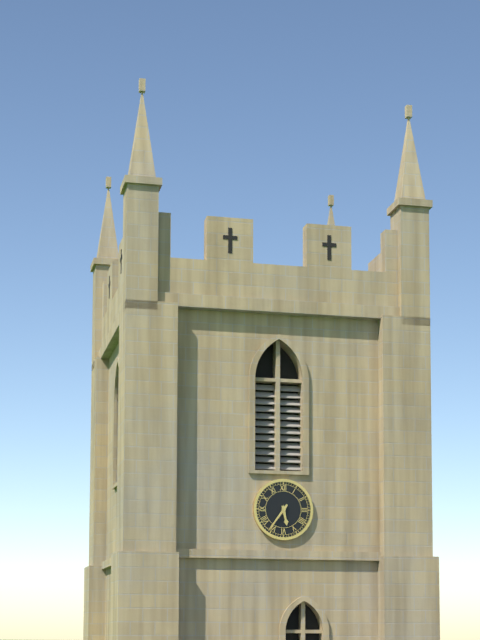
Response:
5,36
